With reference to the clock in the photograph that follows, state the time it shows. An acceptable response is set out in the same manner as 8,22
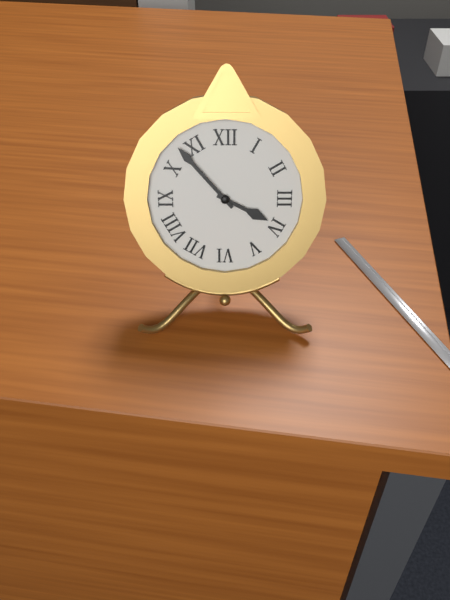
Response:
3,53
